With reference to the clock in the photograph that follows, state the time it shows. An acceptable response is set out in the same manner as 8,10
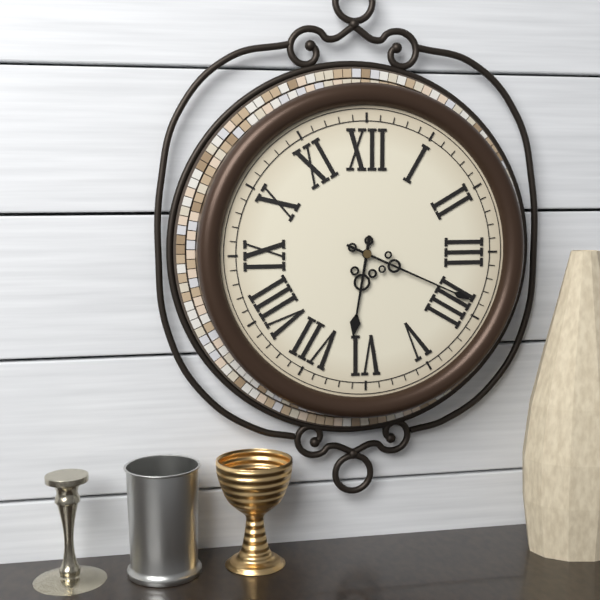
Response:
6,19
